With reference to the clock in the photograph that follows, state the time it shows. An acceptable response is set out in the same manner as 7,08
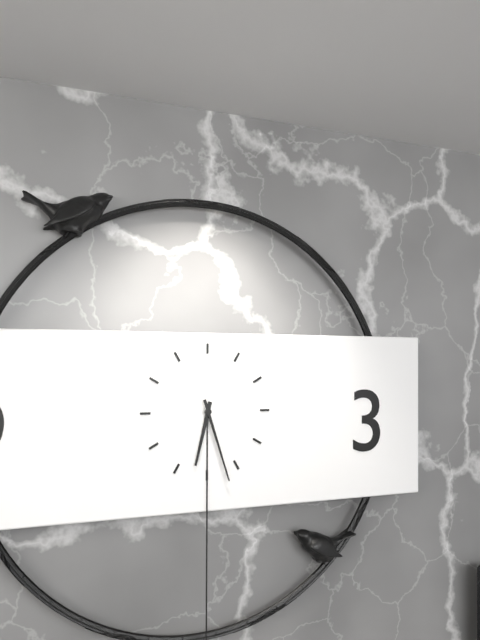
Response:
6,27
